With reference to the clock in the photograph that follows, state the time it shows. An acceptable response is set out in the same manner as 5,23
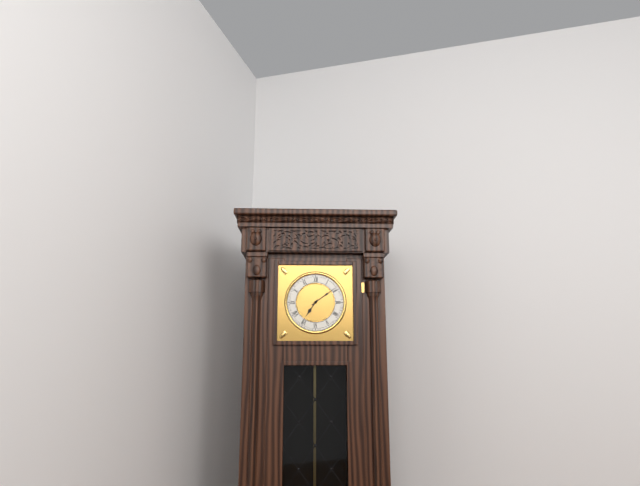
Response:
7,09
